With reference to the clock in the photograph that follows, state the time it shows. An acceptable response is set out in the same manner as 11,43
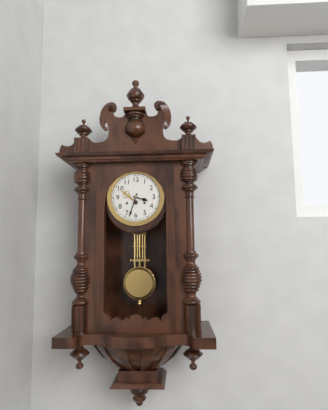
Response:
3,33
